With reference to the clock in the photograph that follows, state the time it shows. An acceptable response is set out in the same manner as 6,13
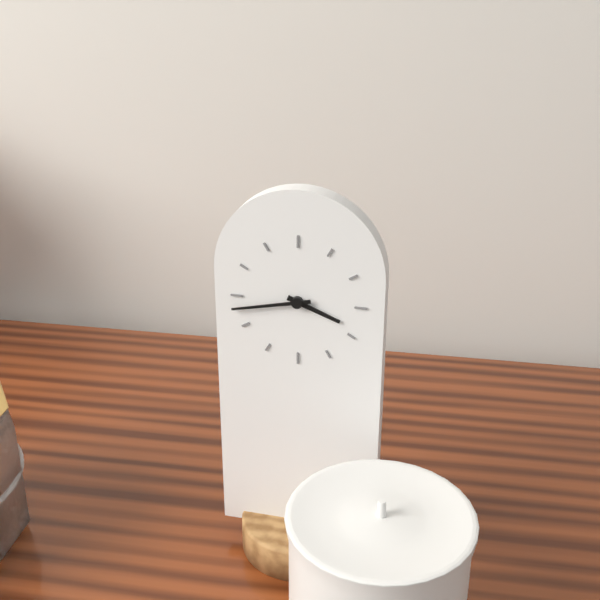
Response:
3,43
